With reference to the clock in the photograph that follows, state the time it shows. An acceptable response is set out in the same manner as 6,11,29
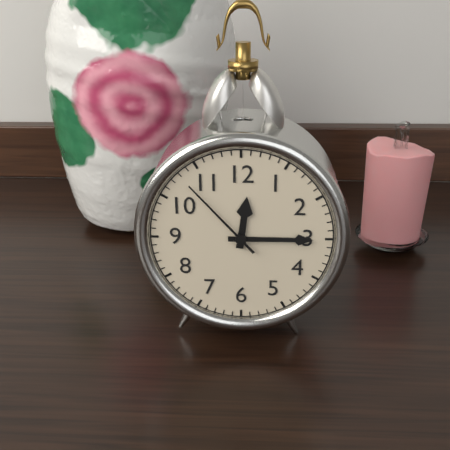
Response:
12,15,53
